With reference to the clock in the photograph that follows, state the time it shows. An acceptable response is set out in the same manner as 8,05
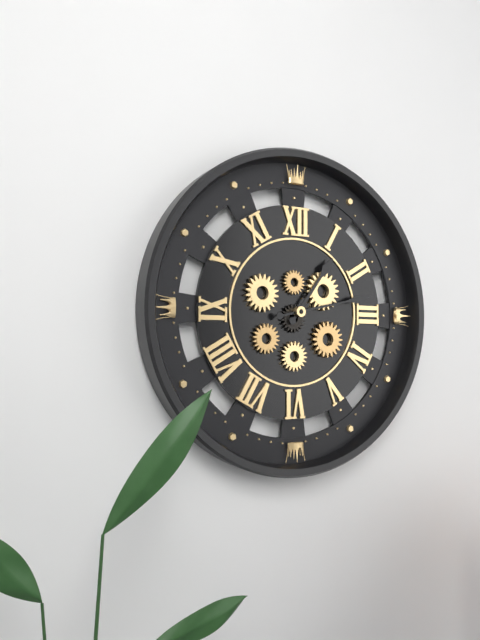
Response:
1,13
